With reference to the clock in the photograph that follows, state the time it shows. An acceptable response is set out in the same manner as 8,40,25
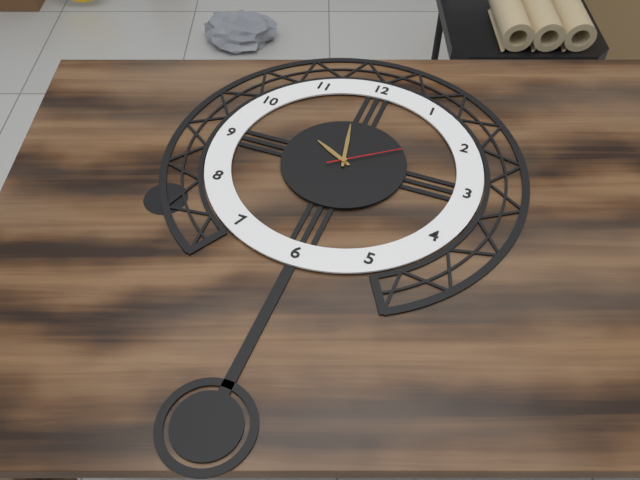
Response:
9,58,09
